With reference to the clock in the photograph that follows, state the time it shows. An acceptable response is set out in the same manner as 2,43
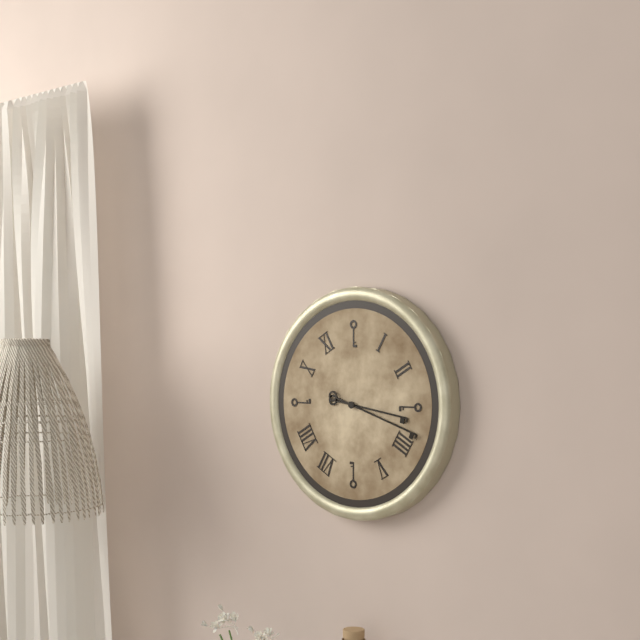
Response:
3,18
